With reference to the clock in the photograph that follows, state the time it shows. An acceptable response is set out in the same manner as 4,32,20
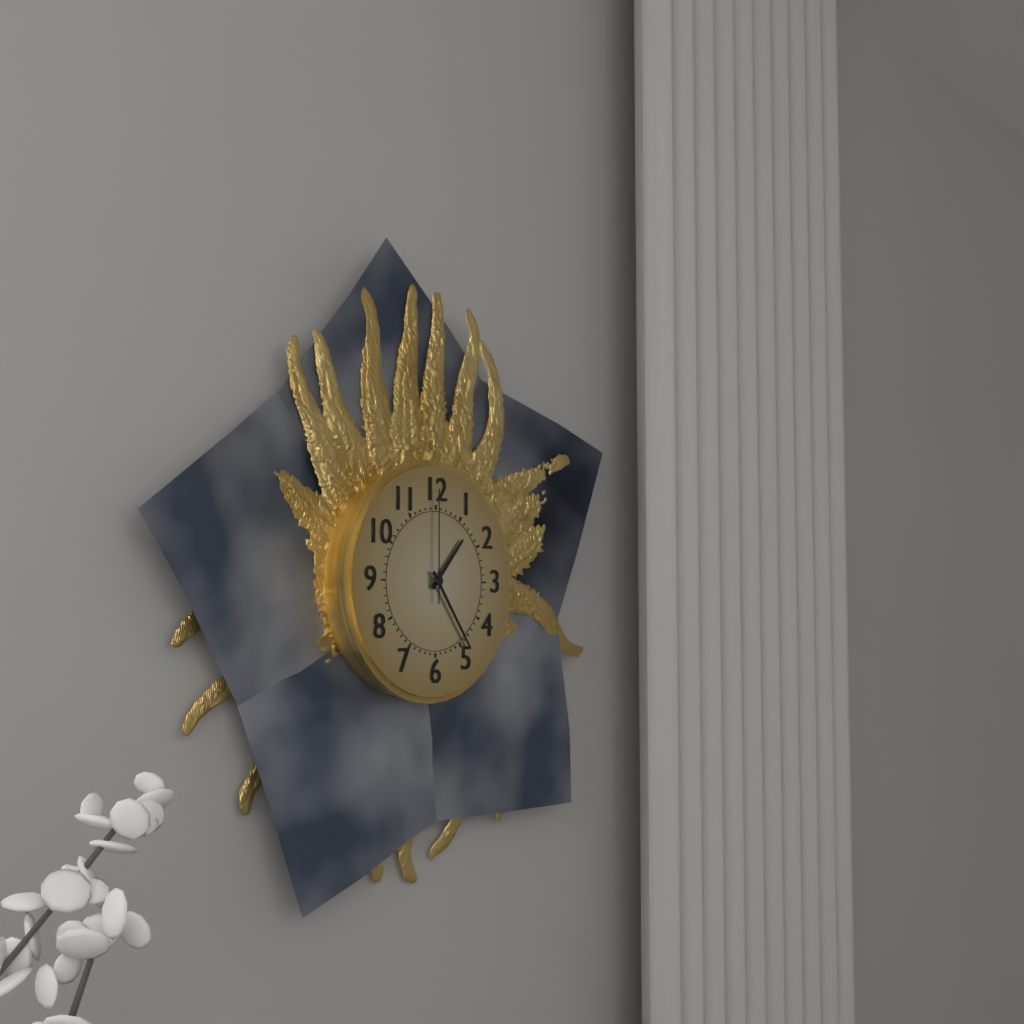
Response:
1,24,00
